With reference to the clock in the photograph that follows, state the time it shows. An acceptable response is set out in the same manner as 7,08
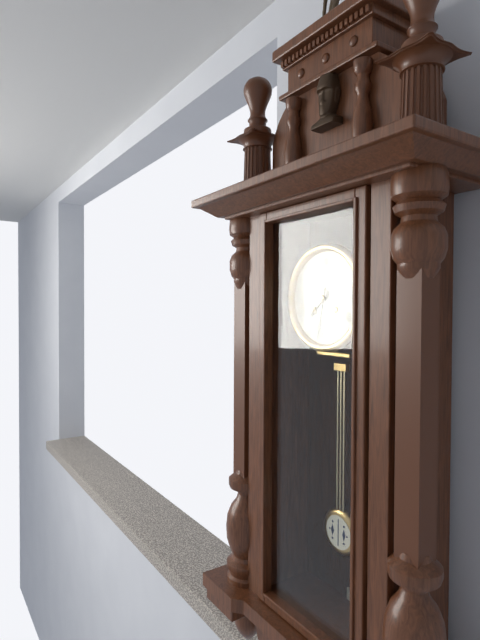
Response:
7,32
